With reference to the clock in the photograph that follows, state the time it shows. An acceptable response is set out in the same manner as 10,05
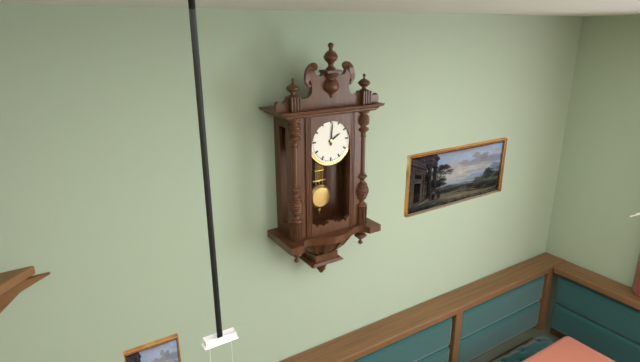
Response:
2,01
